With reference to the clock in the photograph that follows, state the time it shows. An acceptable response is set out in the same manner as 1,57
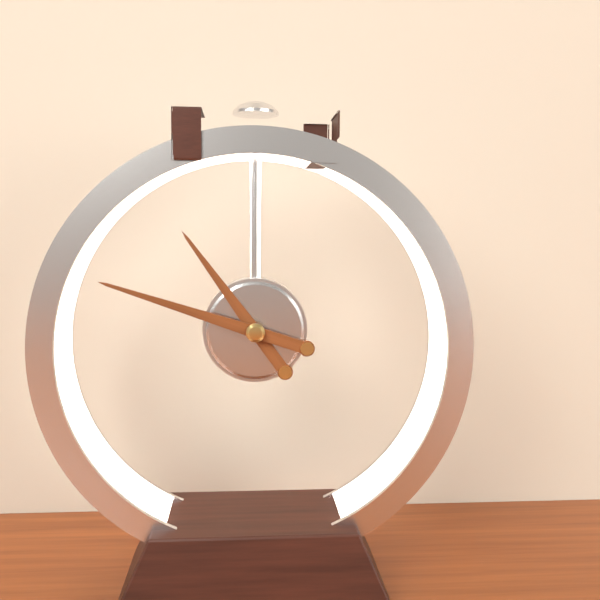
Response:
10,48
